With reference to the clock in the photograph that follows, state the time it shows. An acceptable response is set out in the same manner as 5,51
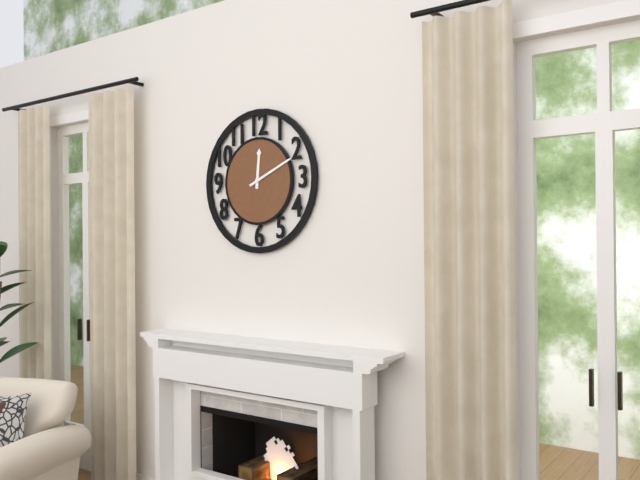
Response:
12,11
